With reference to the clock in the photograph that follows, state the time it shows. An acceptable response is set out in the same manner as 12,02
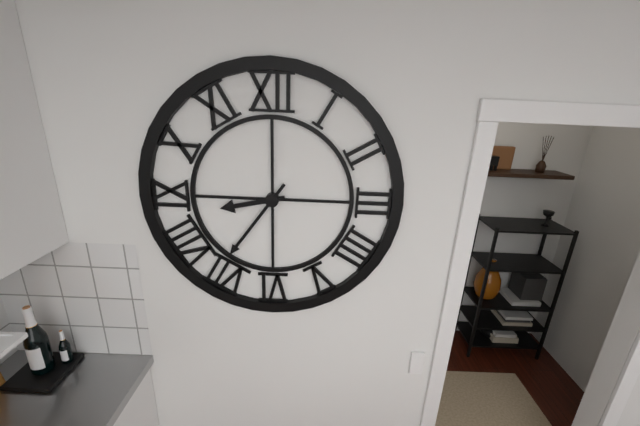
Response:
8,36
